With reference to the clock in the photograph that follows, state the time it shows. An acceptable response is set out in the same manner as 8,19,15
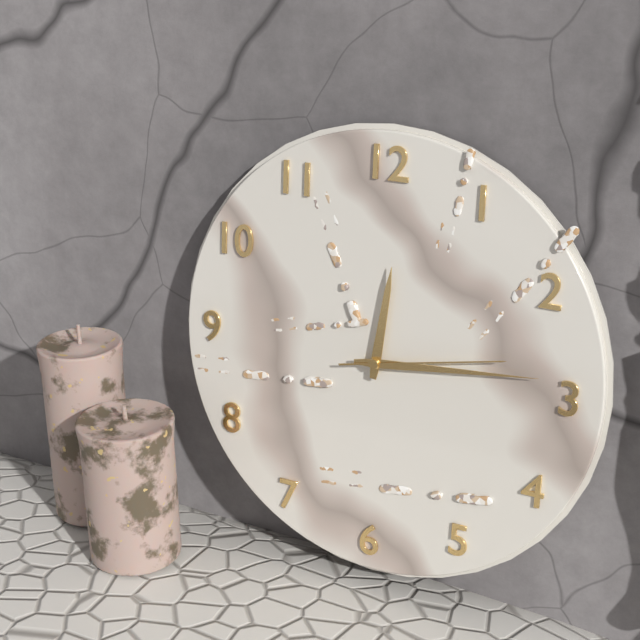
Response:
12,14,13
